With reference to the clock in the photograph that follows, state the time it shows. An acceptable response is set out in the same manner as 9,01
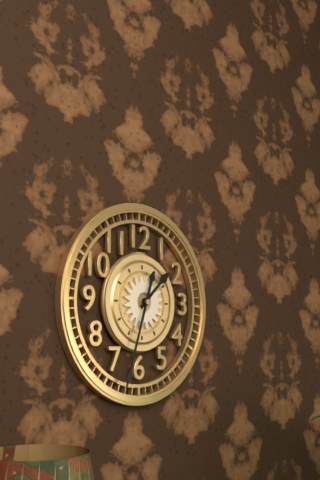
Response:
1,33
